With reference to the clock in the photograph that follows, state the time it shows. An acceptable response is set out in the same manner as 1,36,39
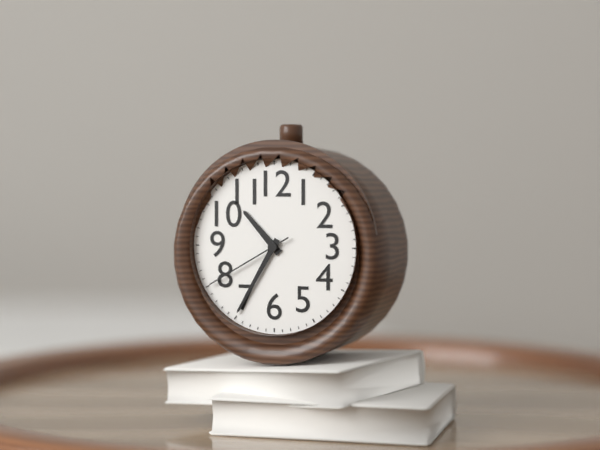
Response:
10,35,40
